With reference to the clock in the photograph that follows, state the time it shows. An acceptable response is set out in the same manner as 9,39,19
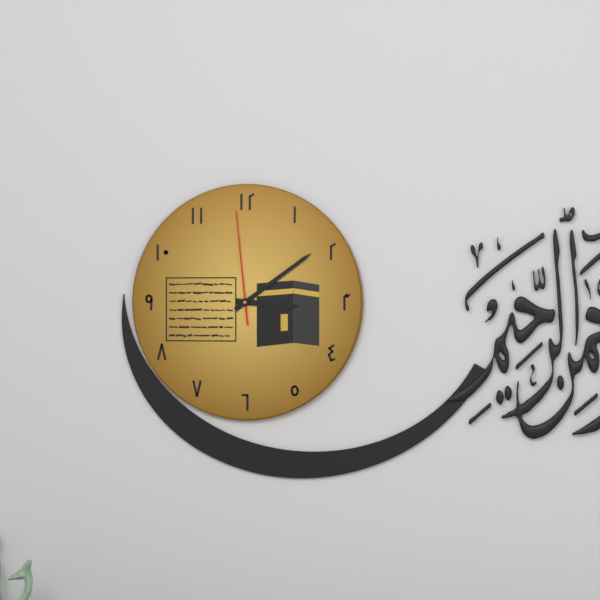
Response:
3,09,59
